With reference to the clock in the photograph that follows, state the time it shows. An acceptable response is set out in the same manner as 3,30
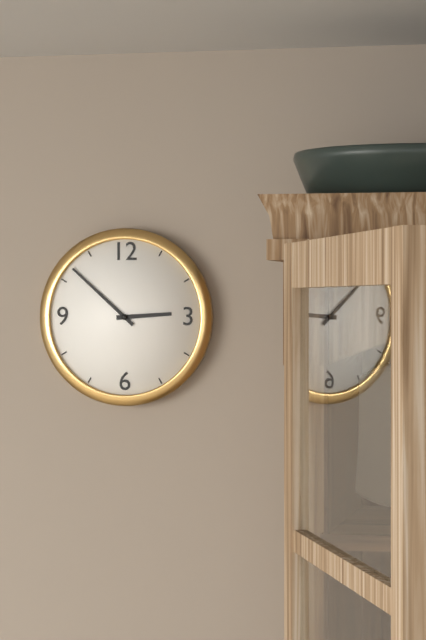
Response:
2,52
